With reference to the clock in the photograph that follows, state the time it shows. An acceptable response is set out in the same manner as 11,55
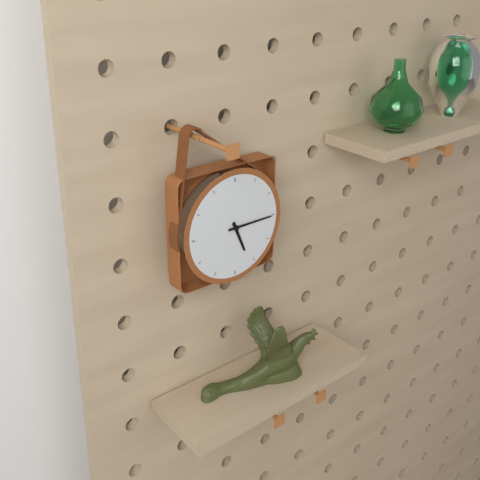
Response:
5,15
